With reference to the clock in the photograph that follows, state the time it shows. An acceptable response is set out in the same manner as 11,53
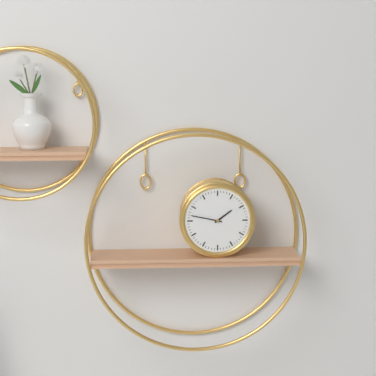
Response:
1,47
